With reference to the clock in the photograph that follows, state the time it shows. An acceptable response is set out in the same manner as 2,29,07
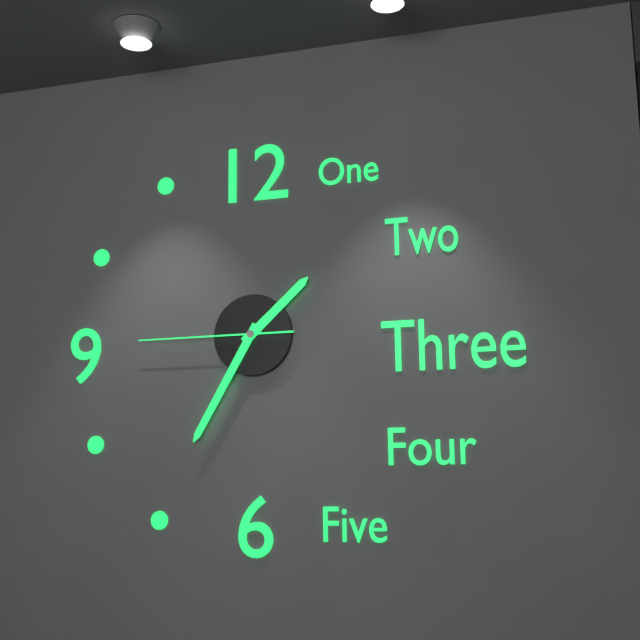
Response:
1,35,45
